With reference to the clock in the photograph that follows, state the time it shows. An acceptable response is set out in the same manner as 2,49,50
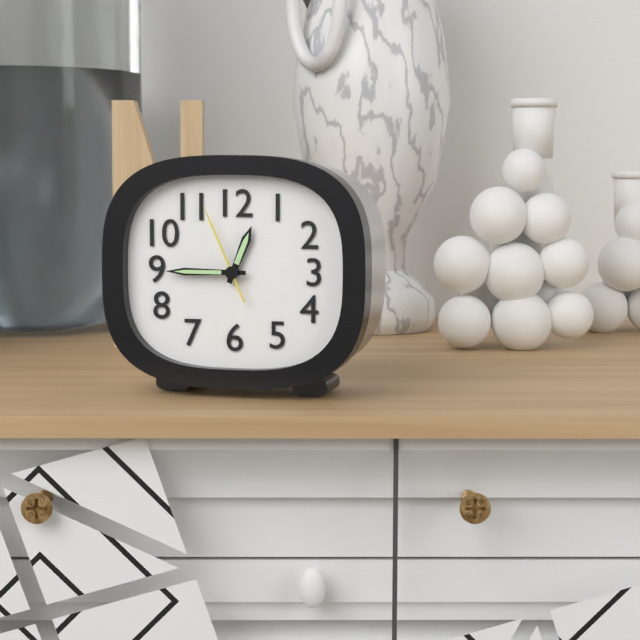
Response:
12,45,56
